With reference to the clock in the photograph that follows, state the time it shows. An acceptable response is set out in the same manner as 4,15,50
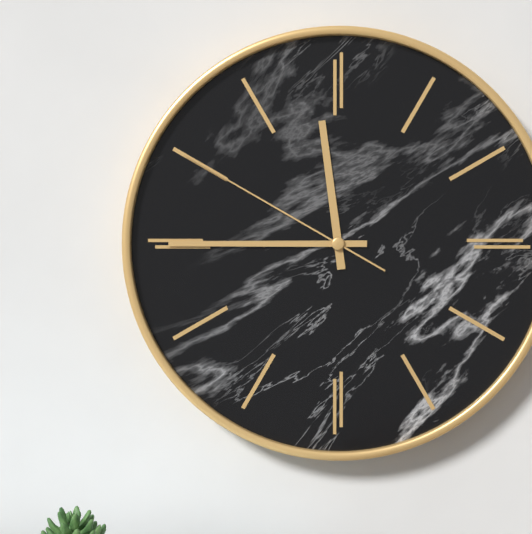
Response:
11,45,50
